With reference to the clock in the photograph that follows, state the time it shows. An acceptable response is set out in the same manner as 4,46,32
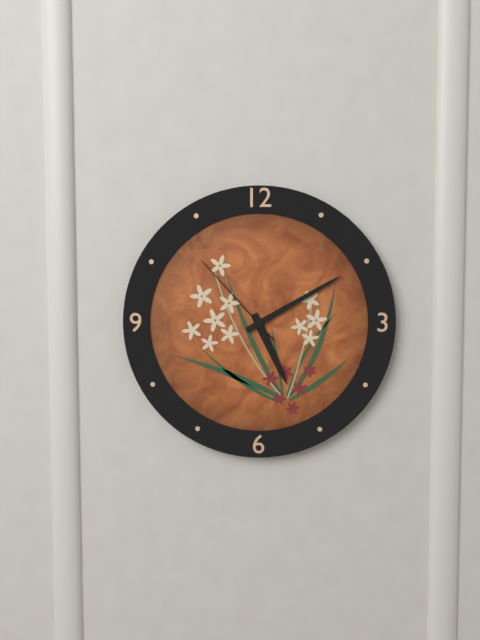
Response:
5,10,53
